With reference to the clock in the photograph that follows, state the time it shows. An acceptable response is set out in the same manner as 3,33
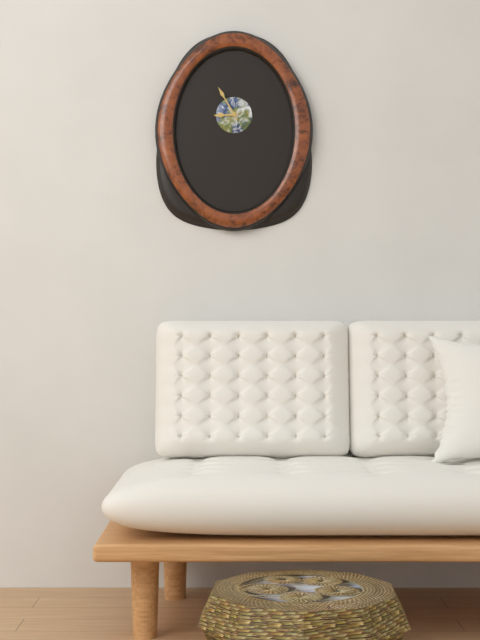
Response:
8,55
